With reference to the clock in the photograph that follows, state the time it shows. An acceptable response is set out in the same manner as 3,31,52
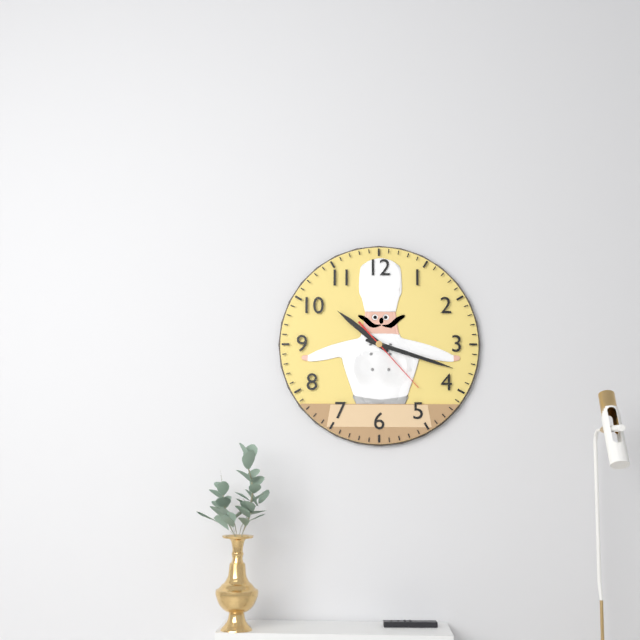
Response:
10,18,23
